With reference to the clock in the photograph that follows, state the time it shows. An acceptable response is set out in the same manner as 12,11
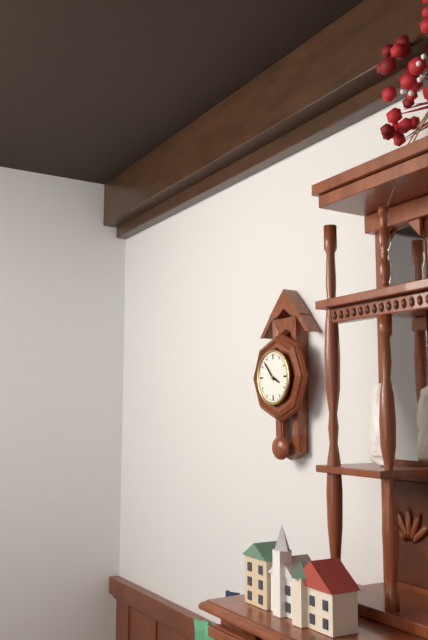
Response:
3,53
